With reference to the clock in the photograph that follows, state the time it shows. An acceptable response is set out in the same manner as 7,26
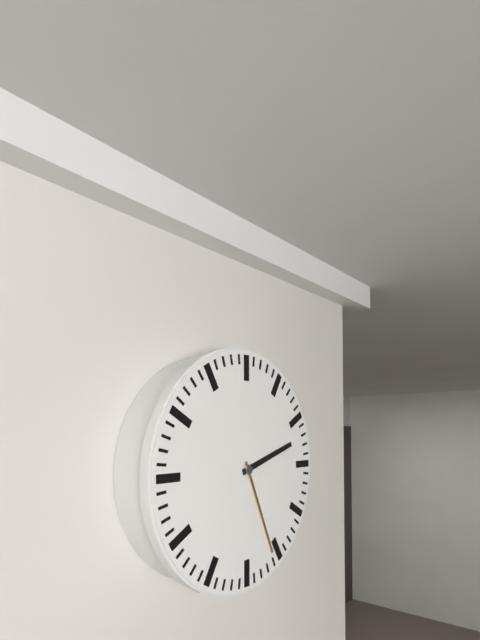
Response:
2,26
